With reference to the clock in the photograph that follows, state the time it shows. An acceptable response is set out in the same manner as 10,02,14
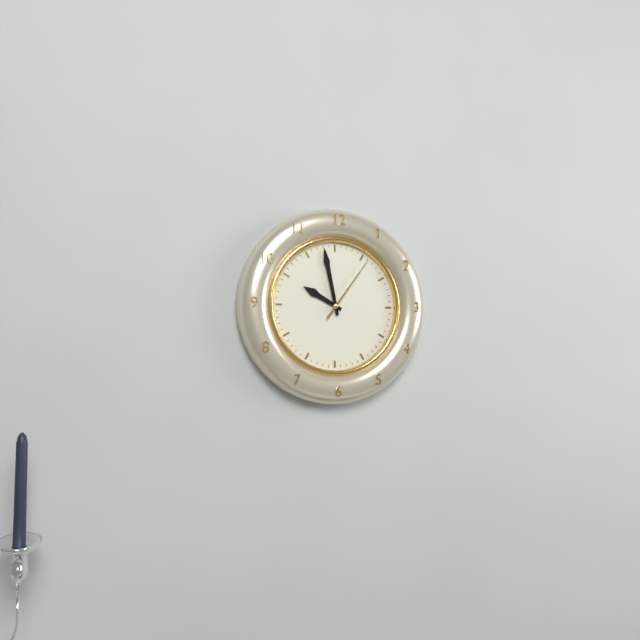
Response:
9,58,06
